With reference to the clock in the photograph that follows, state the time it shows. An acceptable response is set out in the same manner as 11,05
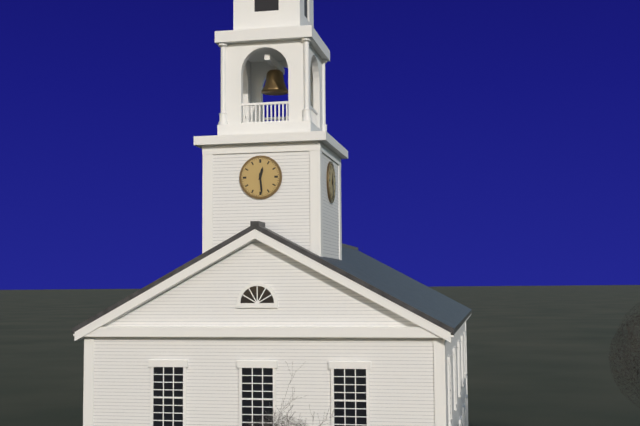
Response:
12,29
